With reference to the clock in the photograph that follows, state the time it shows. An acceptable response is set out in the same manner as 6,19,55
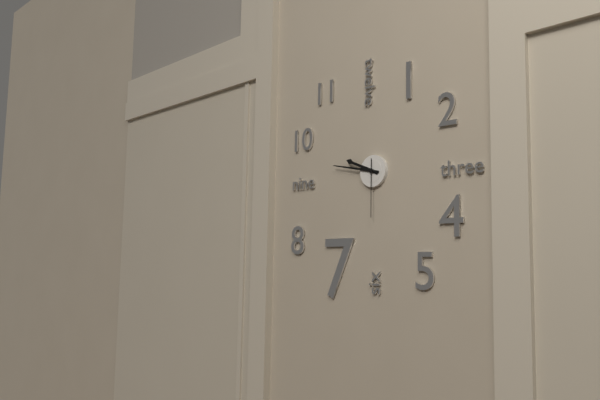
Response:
9,47,30
